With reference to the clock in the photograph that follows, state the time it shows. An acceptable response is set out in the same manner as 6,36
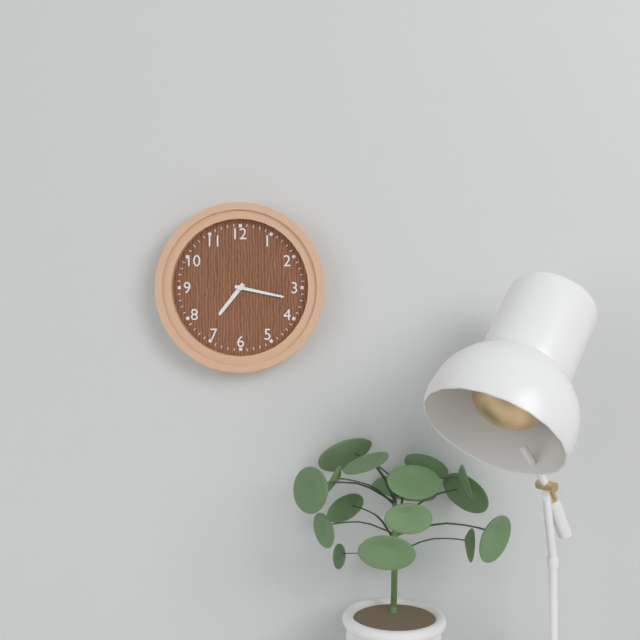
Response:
7,17
